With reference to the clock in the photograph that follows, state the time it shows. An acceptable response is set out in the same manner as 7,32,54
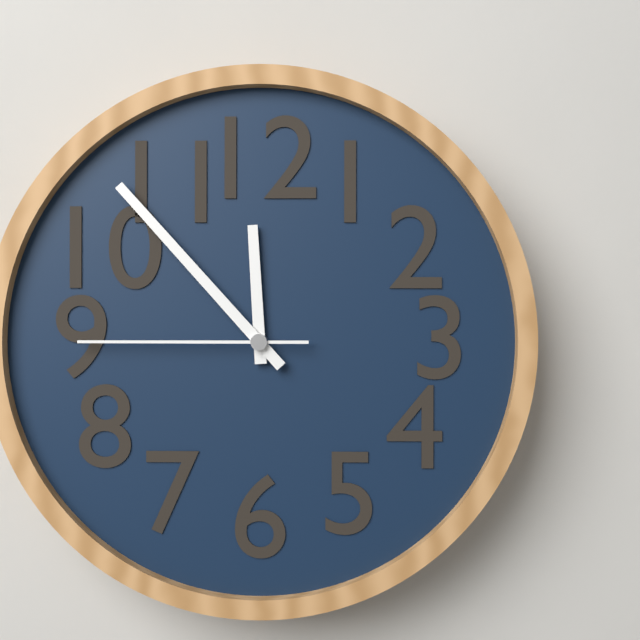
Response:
11,53,45
